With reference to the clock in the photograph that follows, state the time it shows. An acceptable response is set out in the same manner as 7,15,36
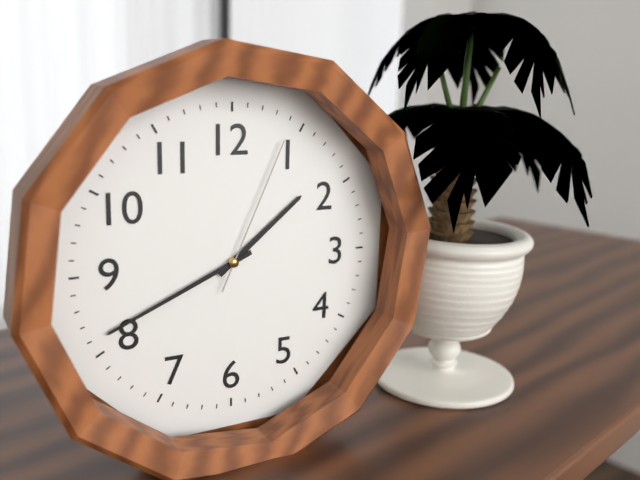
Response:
1,41,04
